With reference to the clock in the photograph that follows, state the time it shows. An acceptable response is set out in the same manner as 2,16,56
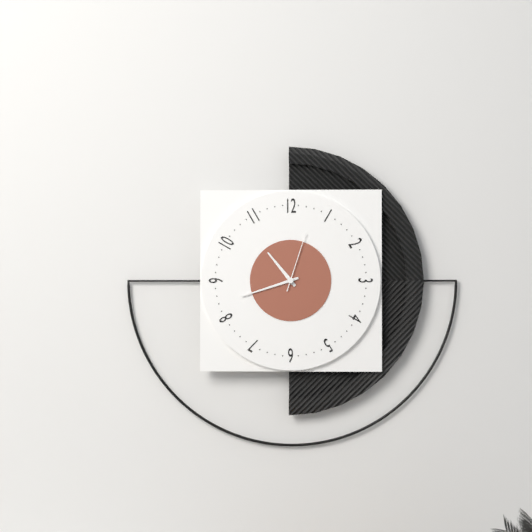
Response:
10,42,03
